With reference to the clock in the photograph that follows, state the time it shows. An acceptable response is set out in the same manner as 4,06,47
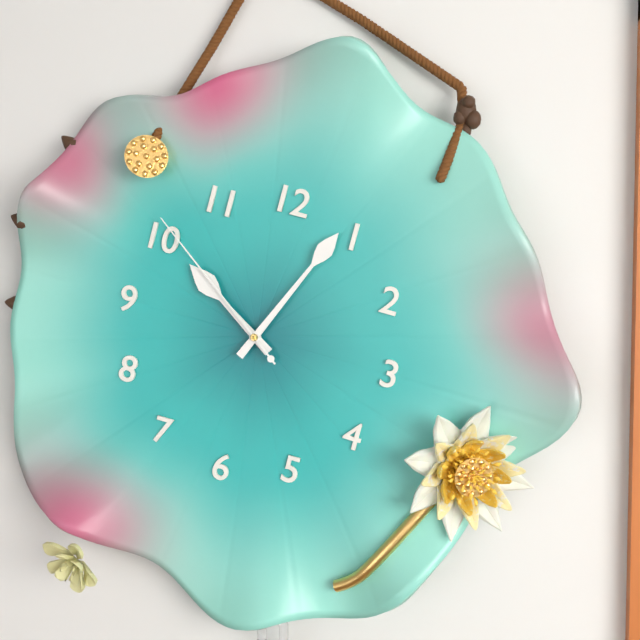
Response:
10,04,51
